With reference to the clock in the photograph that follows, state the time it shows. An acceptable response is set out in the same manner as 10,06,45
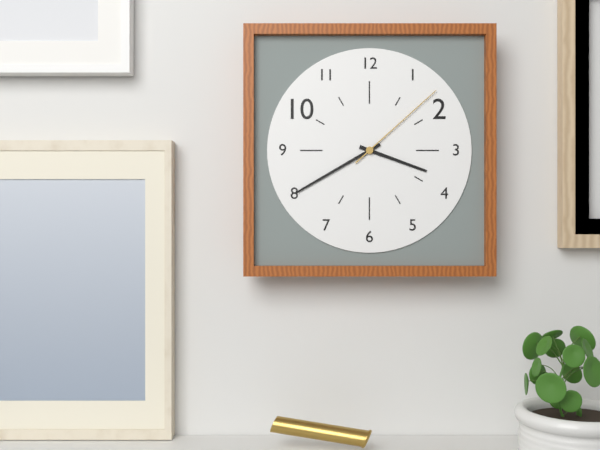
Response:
3,40,08
